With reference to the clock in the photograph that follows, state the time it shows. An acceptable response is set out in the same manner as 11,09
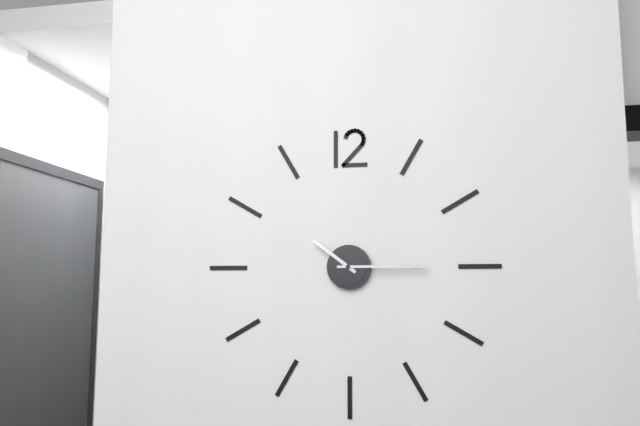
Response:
10,15
